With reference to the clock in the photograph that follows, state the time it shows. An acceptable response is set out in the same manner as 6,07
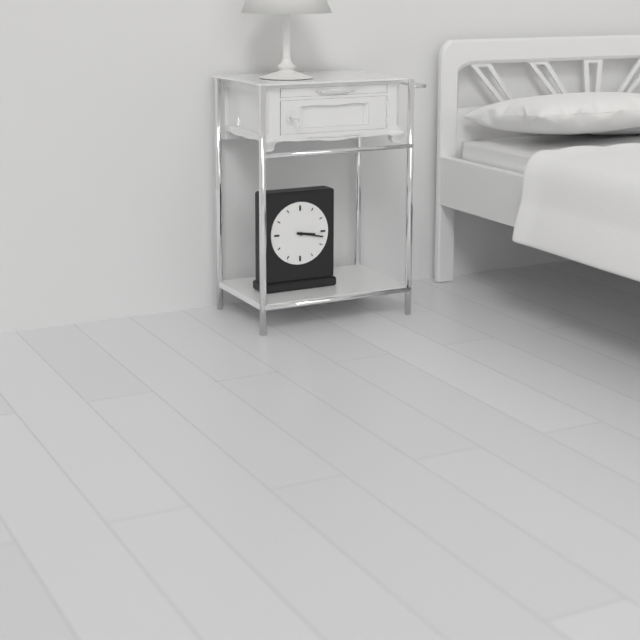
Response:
3,17
